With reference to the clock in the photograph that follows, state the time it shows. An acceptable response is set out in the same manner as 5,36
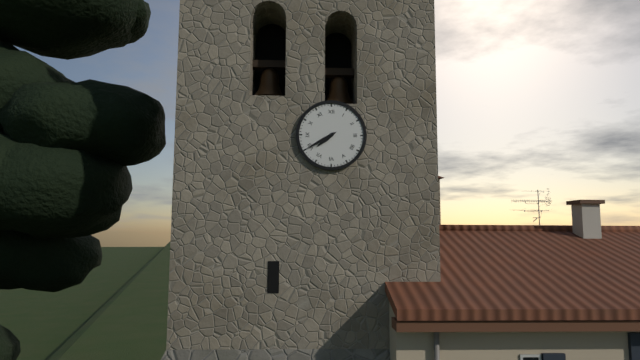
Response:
7,40
